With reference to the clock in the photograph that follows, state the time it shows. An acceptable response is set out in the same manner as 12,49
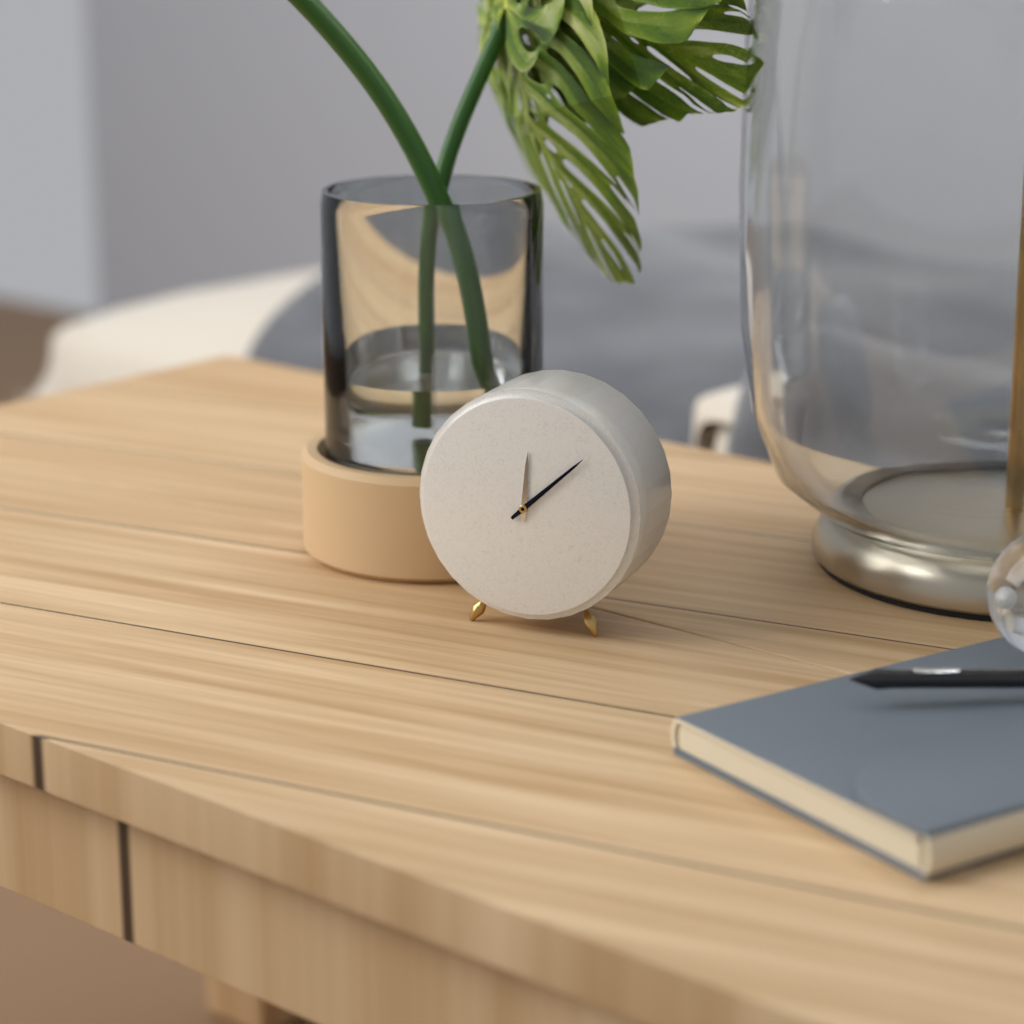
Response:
12,08
